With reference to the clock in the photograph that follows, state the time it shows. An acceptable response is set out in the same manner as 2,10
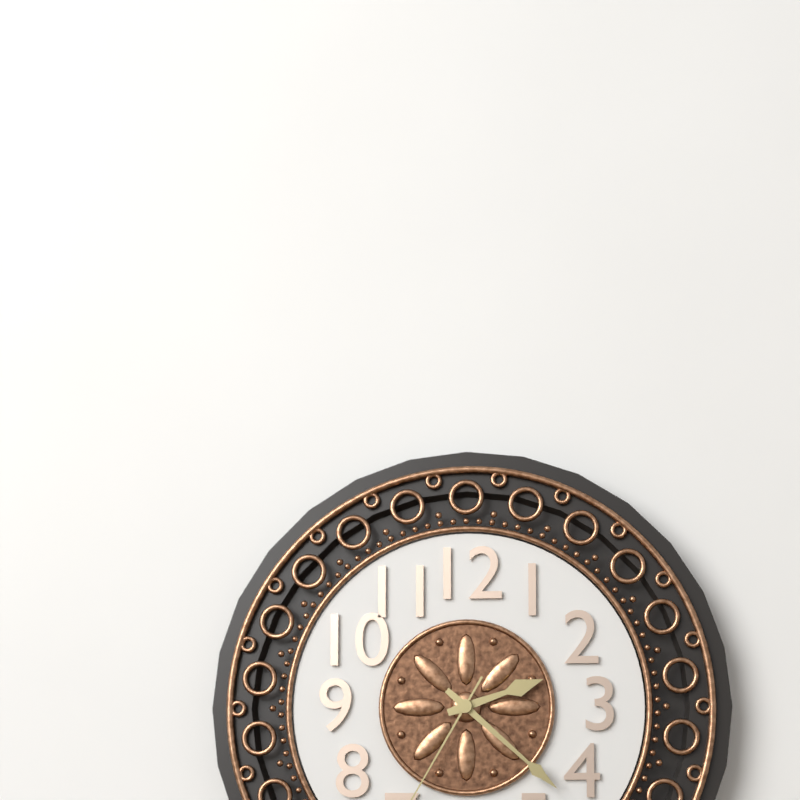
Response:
2,22
